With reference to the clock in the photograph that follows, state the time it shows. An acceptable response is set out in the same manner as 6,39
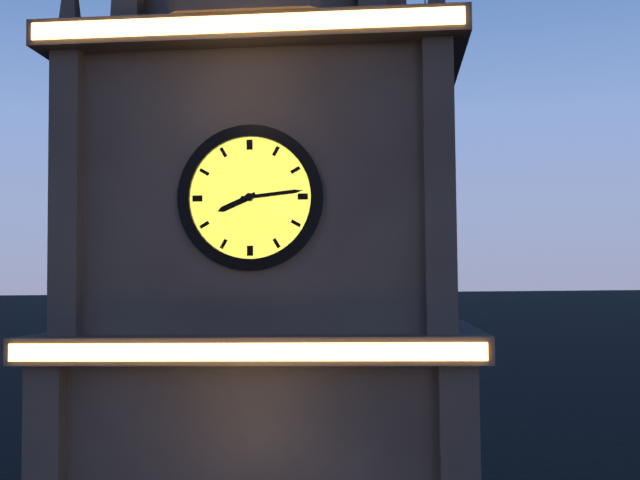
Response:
8,14
